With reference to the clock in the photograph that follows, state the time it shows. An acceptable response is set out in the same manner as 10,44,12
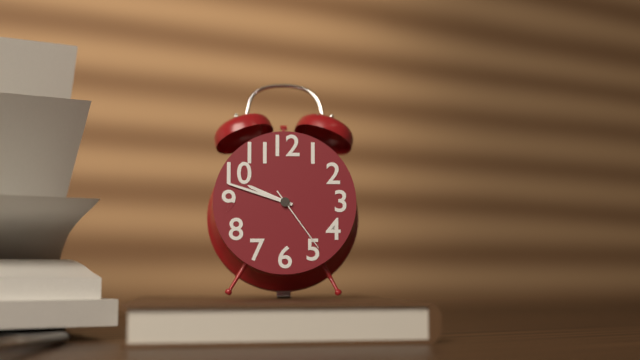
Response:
9,48,24
